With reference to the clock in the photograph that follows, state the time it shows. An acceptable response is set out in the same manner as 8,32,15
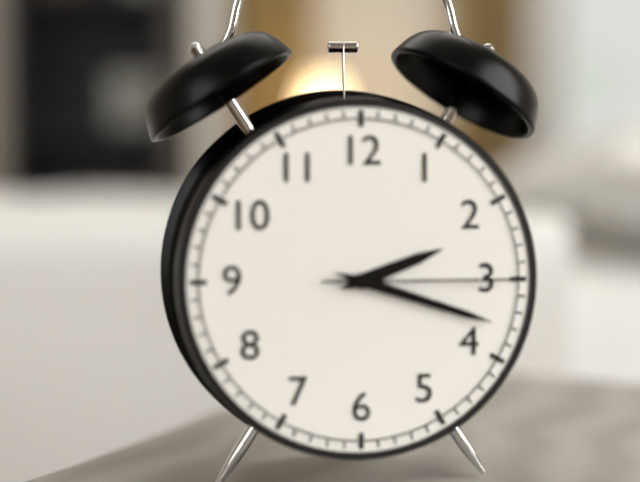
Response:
2,18,15
